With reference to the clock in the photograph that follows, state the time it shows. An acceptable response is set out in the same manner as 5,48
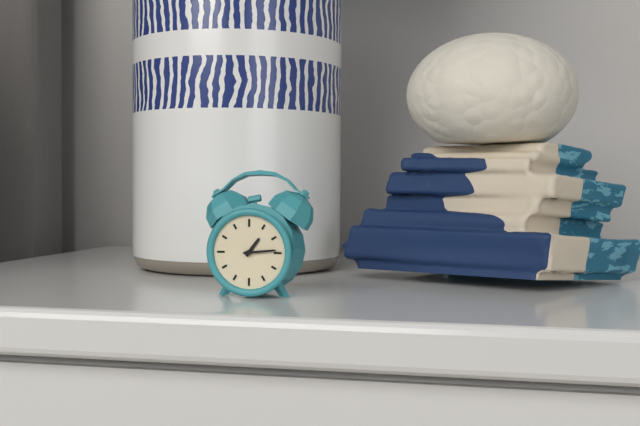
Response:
1,14
